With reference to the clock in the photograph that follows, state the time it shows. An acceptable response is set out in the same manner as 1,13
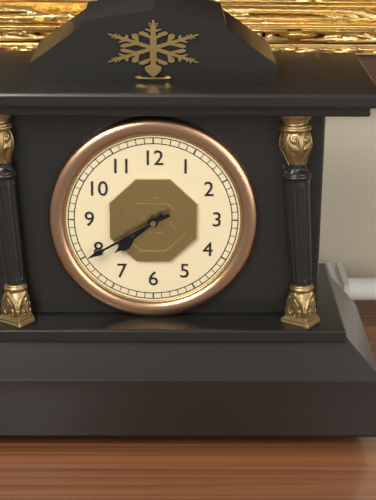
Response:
7,40
